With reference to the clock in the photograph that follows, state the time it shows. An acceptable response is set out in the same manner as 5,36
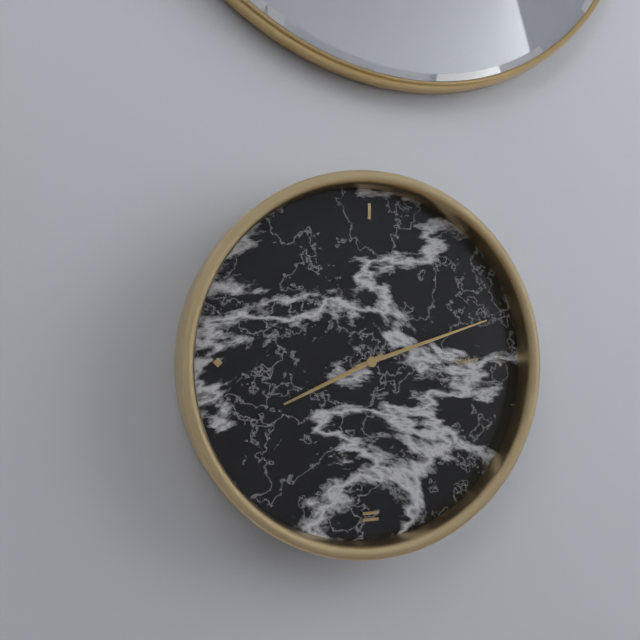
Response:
8,12
